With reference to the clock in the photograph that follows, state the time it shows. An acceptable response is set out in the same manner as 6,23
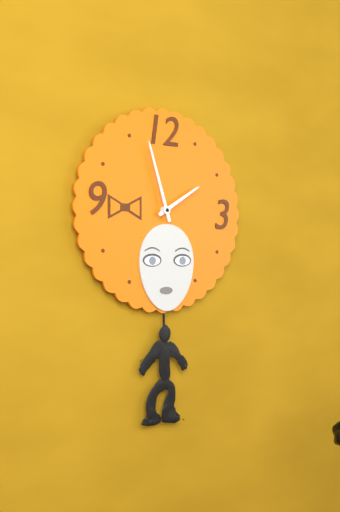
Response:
1,57
